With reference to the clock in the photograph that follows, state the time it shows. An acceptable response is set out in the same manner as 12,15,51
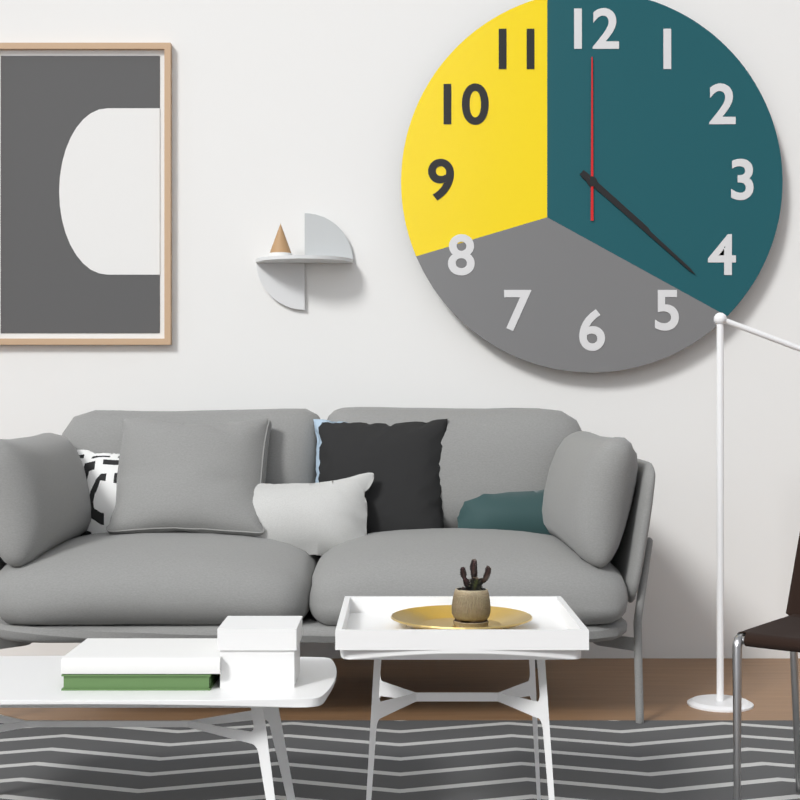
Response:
4,22,00
